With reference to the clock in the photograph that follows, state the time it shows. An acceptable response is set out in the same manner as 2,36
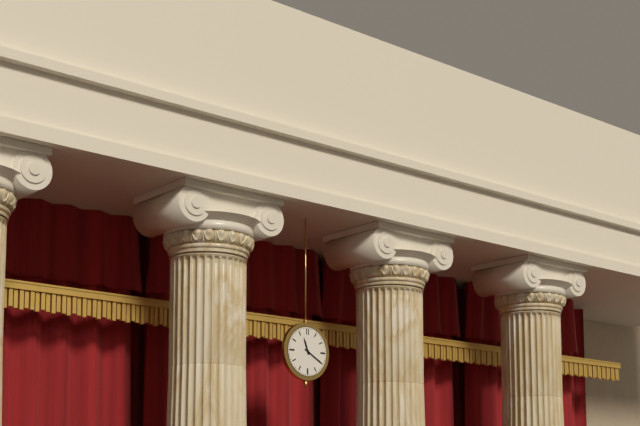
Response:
11,20
